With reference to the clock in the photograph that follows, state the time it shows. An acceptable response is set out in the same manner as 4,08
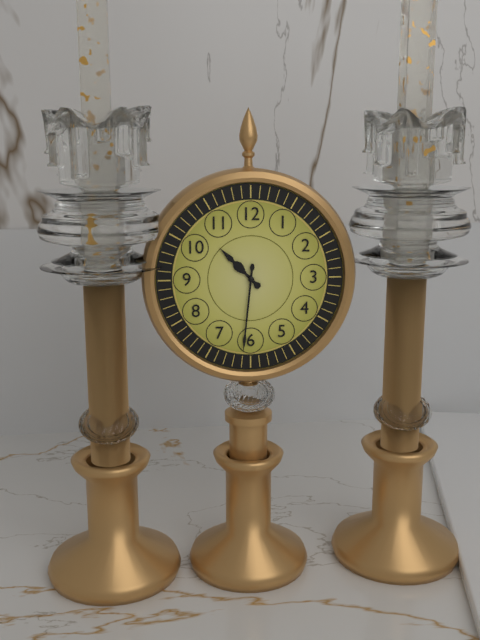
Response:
10,31
